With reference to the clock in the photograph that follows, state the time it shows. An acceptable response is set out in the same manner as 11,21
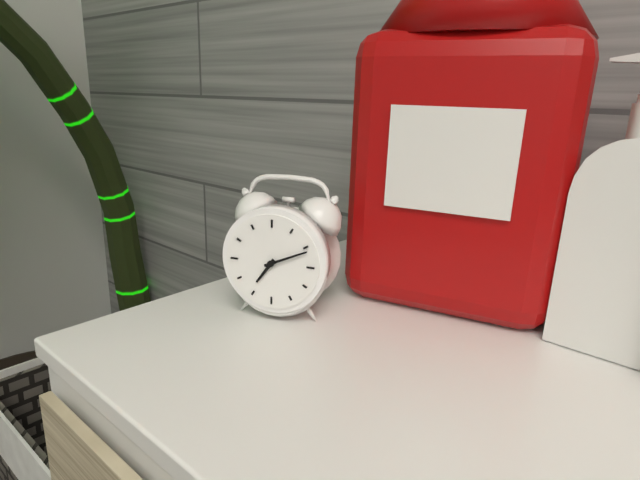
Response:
7,11
